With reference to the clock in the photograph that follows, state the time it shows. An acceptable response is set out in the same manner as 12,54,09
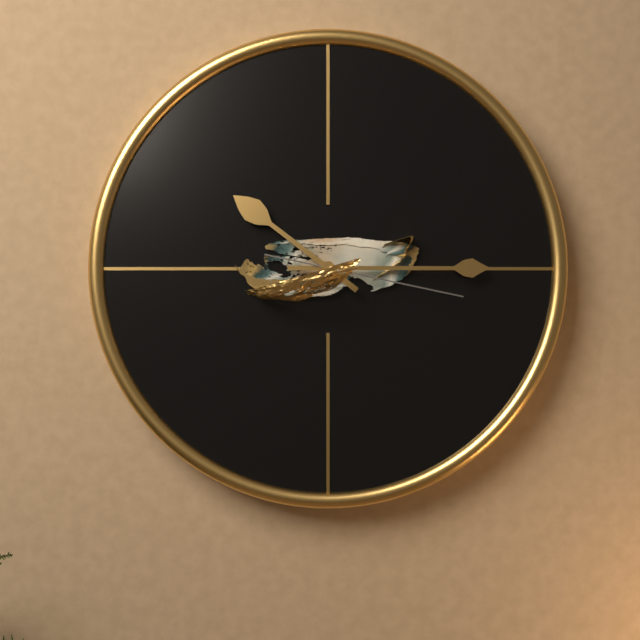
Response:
10,15,17
